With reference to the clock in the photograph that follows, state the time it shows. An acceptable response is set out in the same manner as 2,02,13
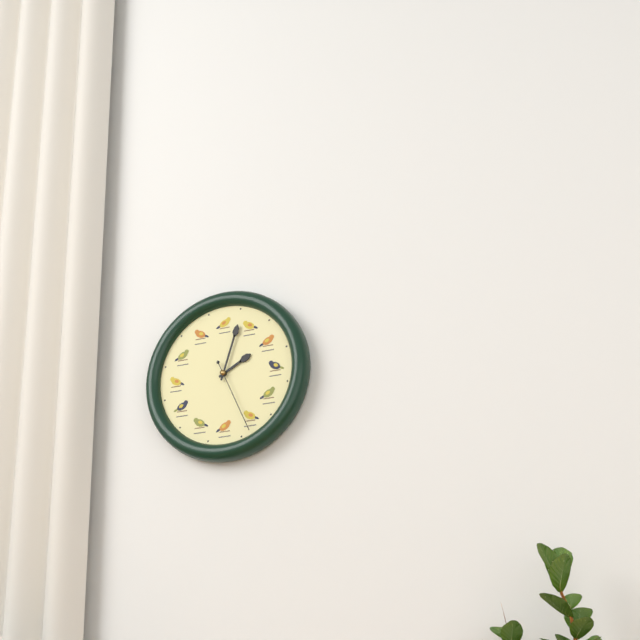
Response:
2,03,26
